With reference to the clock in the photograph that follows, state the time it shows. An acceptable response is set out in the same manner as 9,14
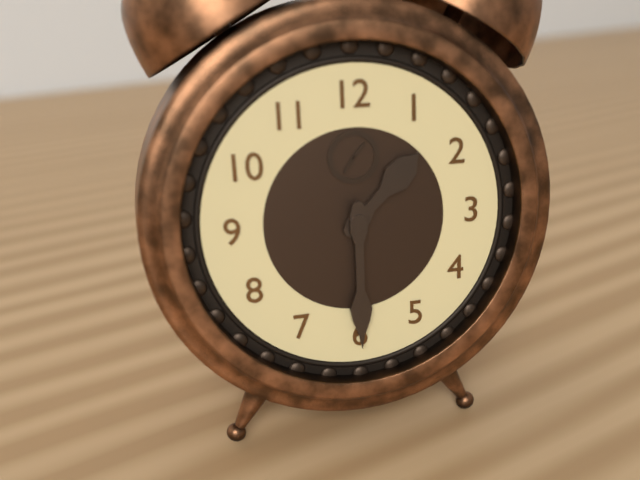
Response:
1,30
